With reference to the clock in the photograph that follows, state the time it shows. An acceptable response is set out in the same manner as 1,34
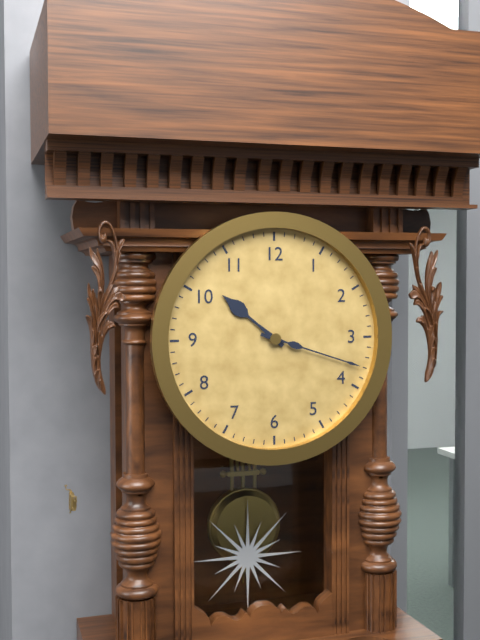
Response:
10,18
